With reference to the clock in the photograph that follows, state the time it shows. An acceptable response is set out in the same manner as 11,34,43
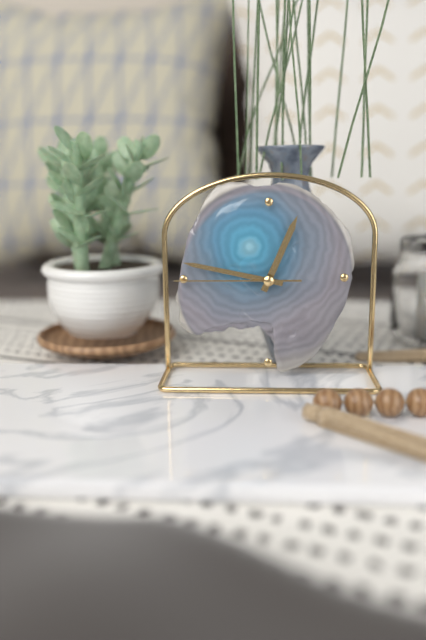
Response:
12,47,45
